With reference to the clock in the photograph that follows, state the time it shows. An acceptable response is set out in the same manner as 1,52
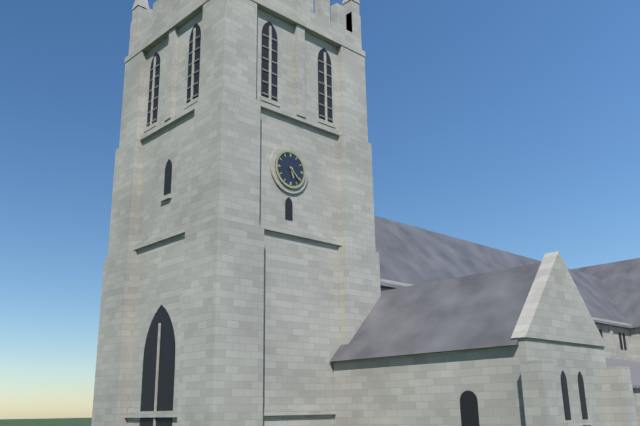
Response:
5,22
